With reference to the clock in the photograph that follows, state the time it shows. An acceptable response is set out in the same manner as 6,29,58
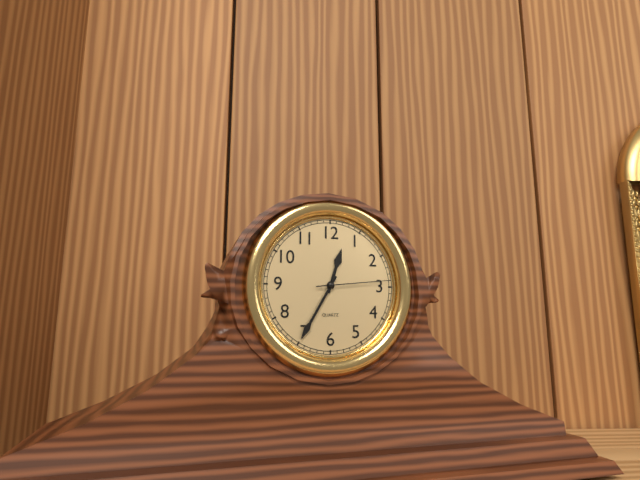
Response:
12,35,14
